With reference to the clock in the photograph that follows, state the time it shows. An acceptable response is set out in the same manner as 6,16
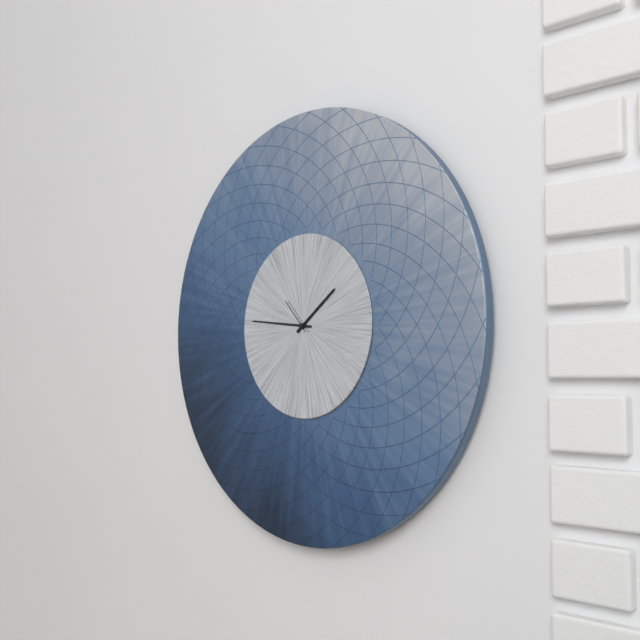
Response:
1,46
